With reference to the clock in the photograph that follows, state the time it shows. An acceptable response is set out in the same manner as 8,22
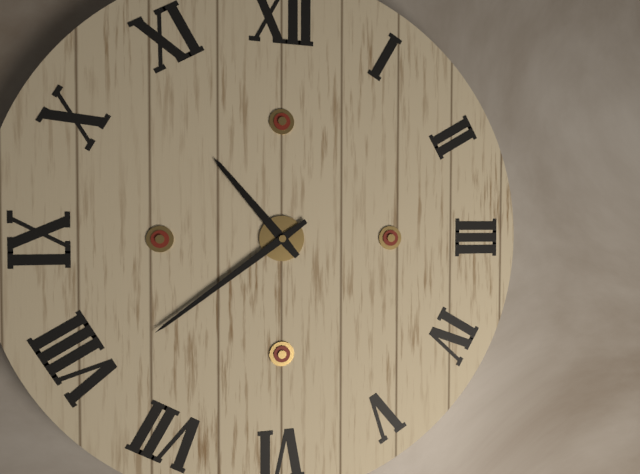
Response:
10,39
